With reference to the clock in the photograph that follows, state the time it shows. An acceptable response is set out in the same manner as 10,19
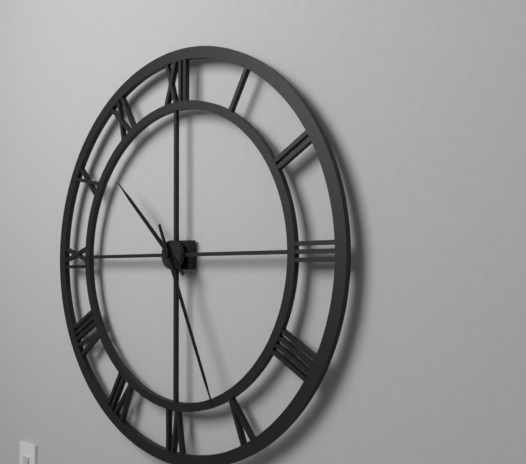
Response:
10,26
